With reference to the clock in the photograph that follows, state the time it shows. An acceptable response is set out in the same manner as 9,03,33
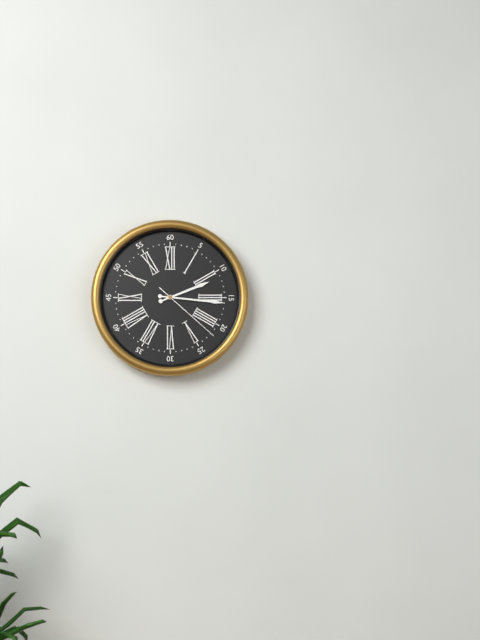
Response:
2,16,22
